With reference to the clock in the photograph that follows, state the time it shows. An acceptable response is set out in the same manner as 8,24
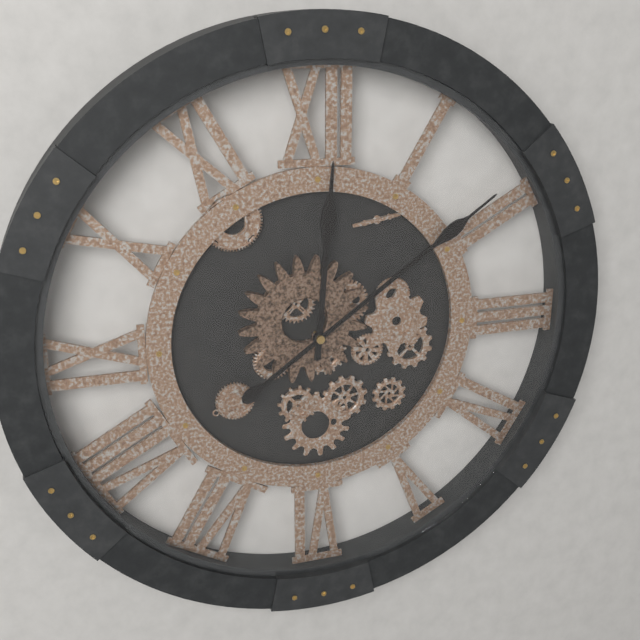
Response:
12,09
